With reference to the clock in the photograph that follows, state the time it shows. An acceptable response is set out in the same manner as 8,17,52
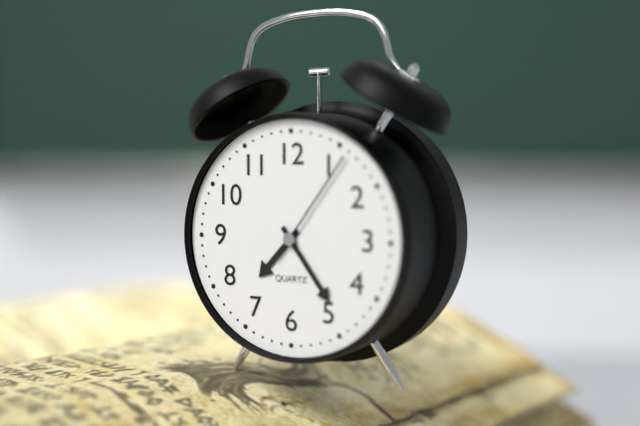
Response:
7,24,06
